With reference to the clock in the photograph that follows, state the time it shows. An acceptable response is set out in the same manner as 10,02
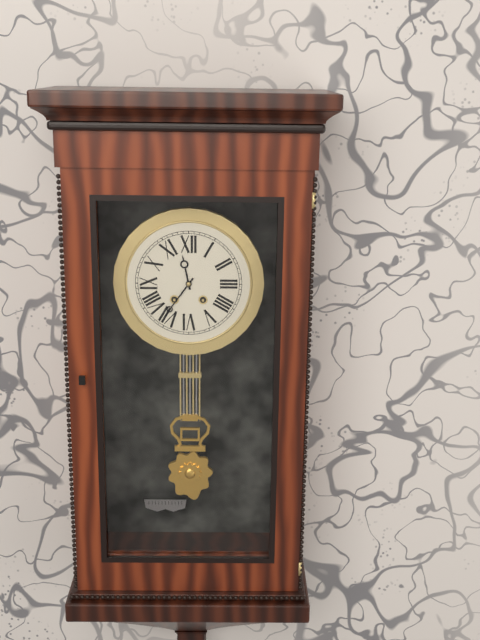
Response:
11,36
